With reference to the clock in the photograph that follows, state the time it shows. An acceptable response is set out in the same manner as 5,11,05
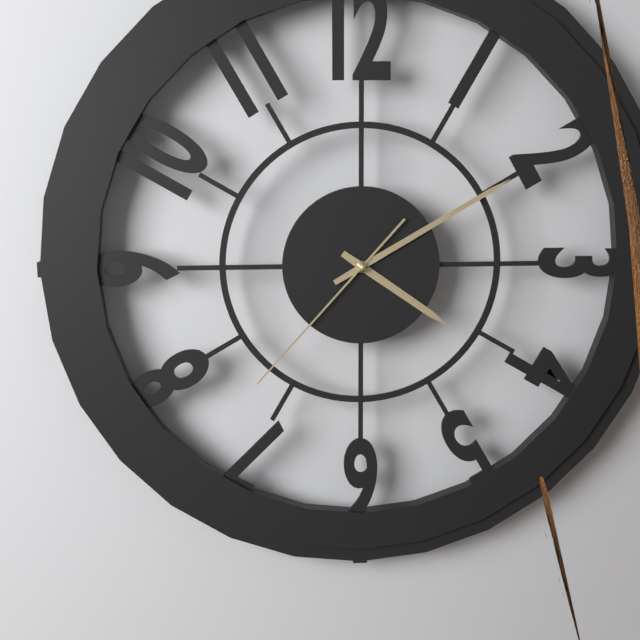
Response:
4,10,37
